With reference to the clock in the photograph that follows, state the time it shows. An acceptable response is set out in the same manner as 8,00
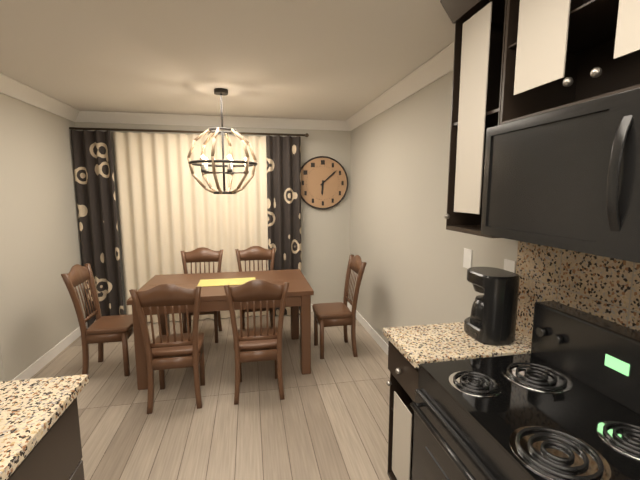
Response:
6,08
